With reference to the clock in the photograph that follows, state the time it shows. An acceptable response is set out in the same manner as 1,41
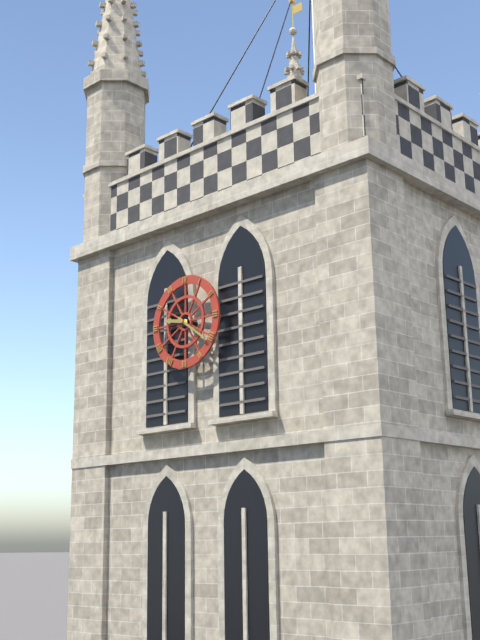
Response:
9,21
